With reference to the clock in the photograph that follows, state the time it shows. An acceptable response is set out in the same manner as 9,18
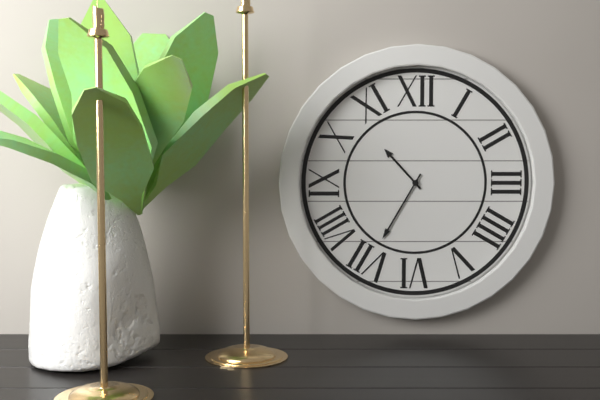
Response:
10,35
